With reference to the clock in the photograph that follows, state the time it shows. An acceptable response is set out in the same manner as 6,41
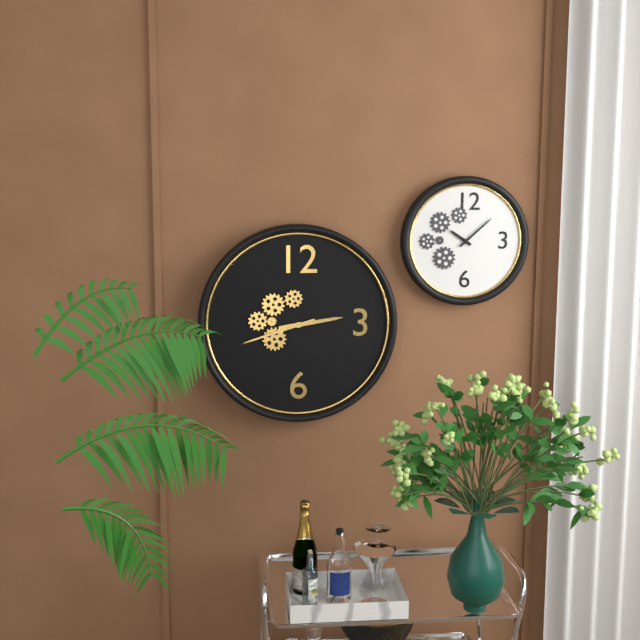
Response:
2,42
